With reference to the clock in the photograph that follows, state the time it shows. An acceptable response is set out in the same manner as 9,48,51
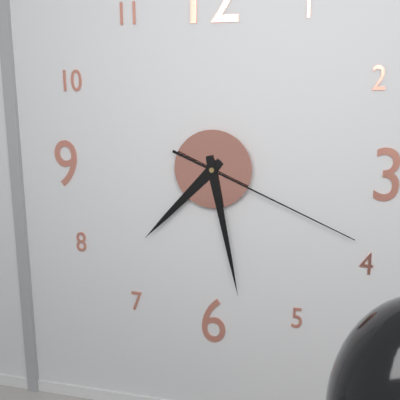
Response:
7,28,19
